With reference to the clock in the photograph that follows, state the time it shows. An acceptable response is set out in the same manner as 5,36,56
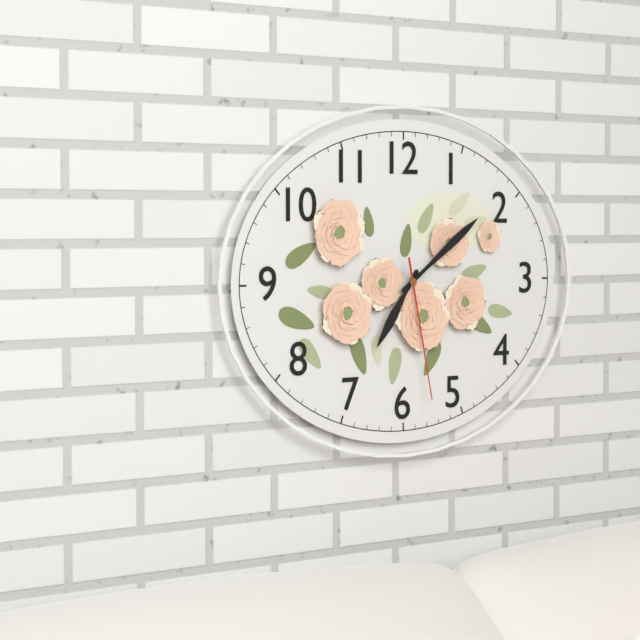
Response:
7,09,28
